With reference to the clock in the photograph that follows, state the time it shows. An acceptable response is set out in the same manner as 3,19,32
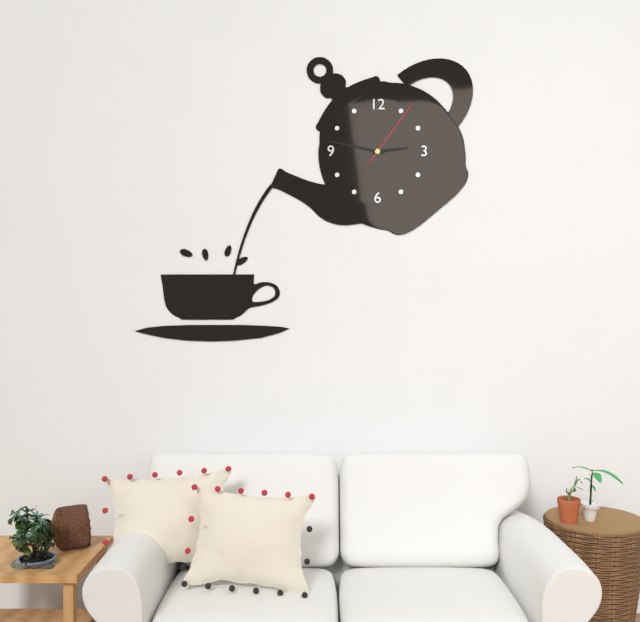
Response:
2,47,06
